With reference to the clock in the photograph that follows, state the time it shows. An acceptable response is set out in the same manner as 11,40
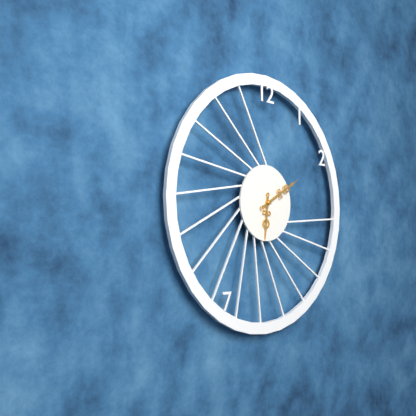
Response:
6,10
